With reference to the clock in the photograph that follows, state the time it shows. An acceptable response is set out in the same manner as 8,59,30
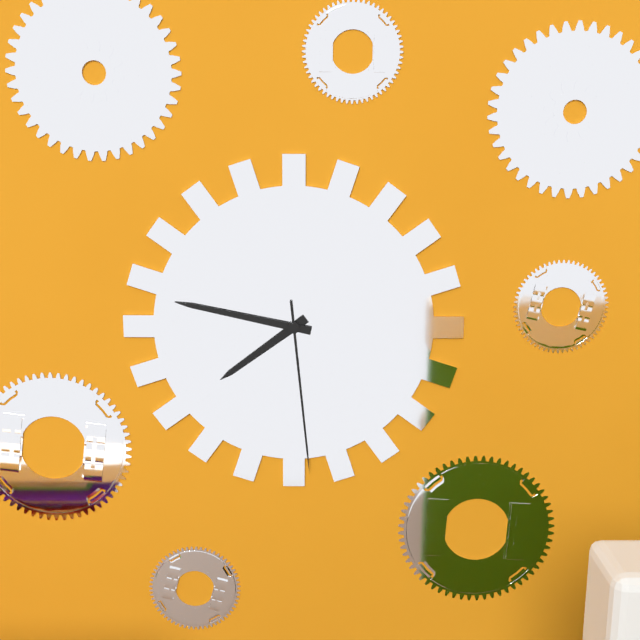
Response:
7,47,29
